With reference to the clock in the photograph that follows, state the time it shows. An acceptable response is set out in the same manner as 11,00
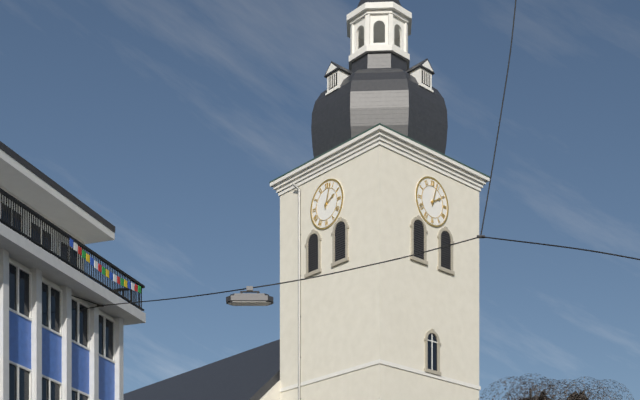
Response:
2,03
